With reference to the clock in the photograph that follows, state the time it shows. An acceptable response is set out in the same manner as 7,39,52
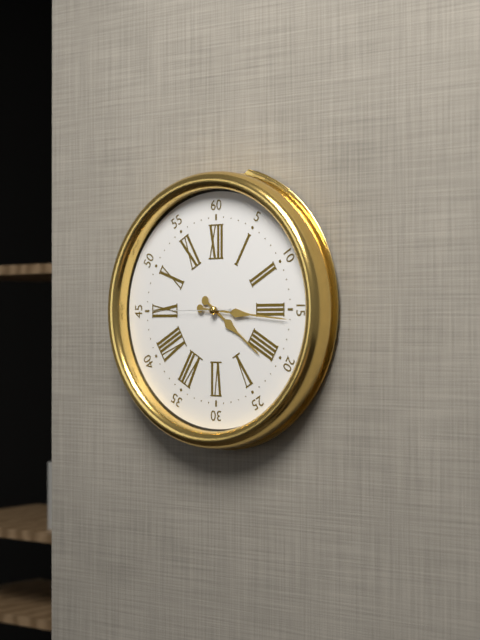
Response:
4,16,45
